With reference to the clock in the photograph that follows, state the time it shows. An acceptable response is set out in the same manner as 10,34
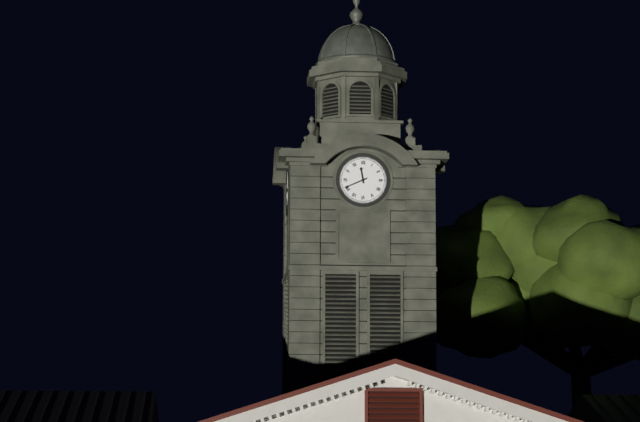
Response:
11,41
